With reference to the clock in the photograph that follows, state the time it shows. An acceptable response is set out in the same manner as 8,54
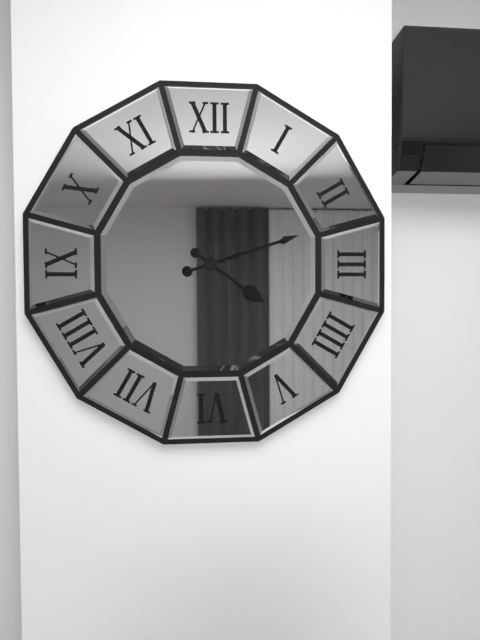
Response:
4,12
